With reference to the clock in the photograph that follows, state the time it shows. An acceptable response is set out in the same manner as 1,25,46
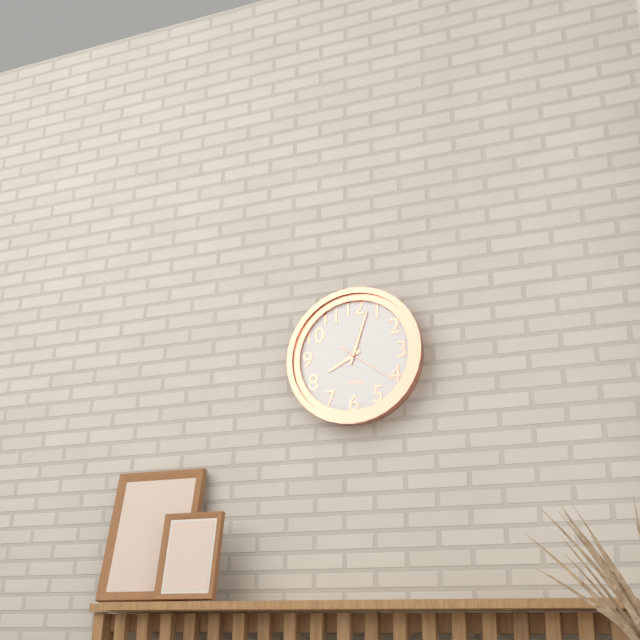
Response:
8,03,21
